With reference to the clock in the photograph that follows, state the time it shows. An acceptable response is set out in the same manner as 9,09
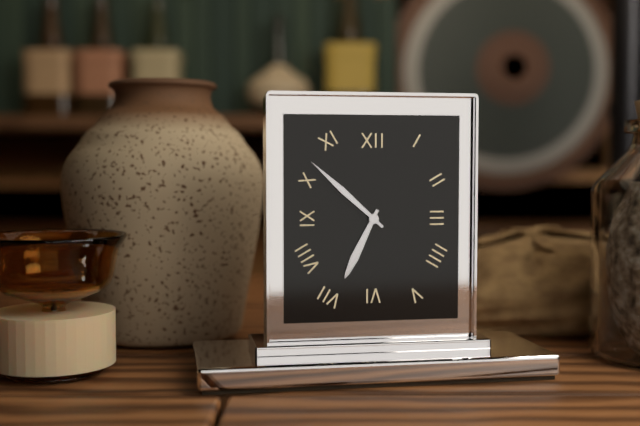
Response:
6,52
